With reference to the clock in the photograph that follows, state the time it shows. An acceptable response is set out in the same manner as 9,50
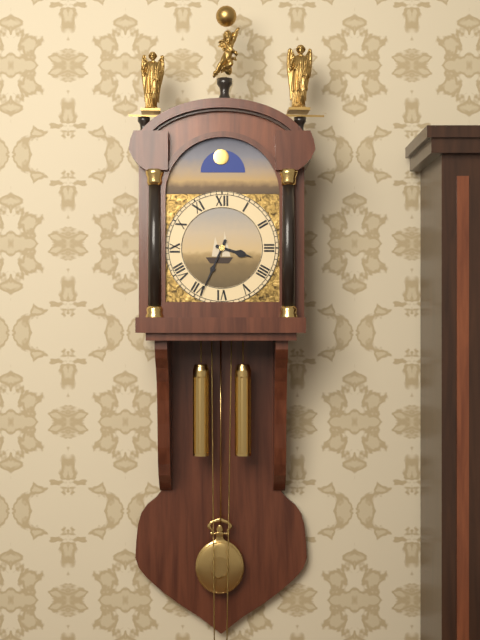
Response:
3,34
